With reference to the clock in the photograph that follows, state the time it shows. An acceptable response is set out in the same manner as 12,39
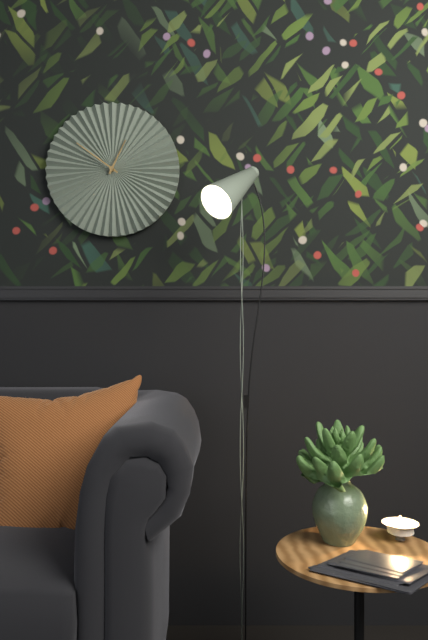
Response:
12,51
